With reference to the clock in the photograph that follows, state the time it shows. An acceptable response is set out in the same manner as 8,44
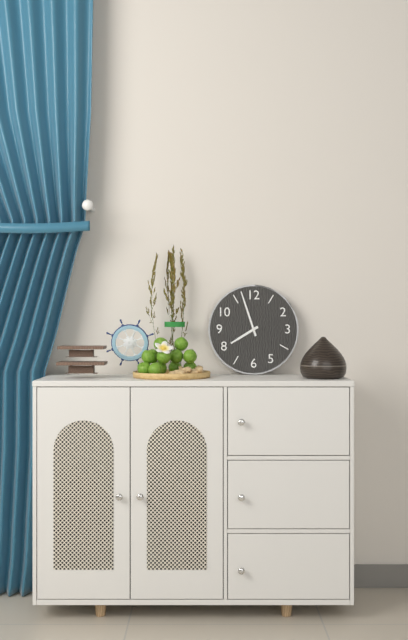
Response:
7,57
